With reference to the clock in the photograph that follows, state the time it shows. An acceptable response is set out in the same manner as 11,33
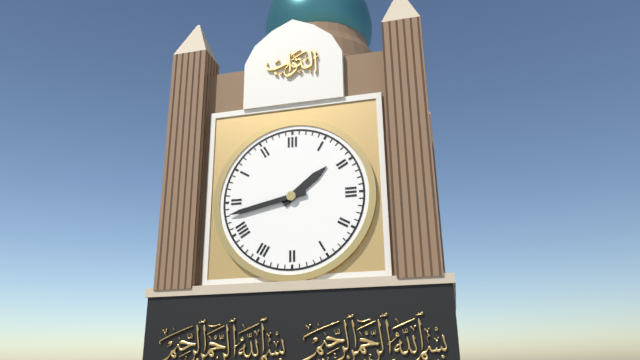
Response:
1,43
